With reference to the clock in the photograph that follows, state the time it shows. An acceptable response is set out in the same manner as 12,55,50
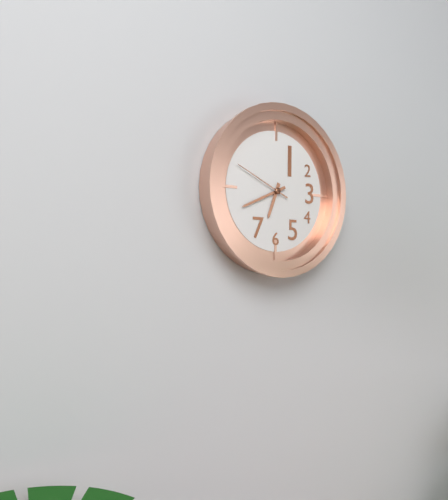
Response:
6,41,49
